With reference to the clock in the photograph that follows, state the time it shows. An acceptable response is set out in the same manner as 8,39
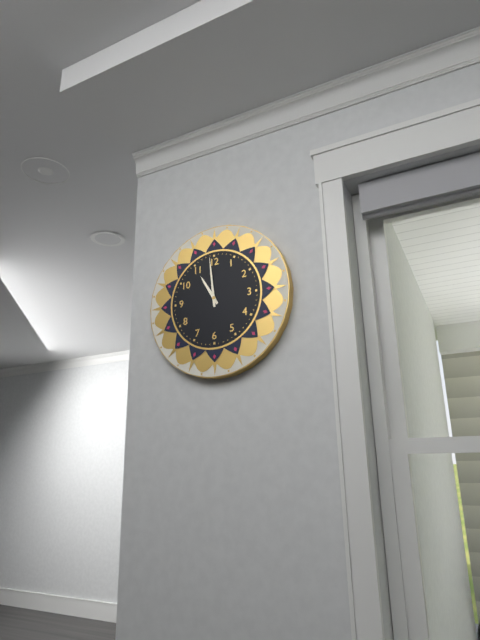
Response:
10,59
